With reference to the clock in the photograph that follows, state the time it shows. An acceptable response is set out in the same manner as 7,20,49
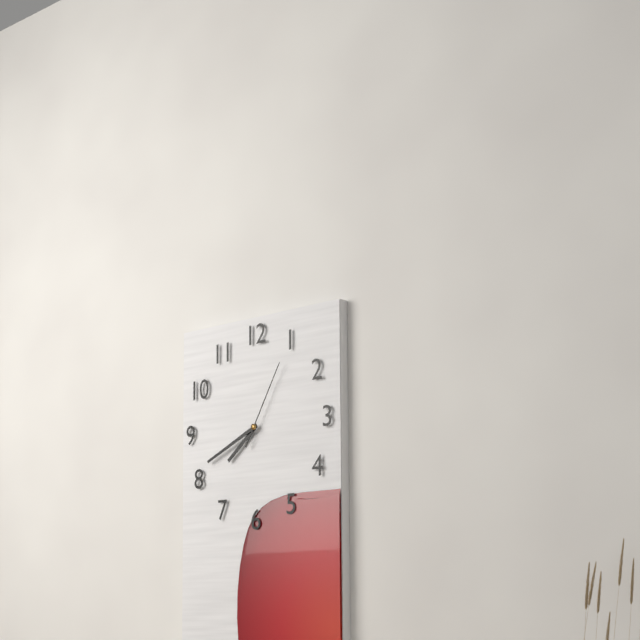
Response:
7,41,05
